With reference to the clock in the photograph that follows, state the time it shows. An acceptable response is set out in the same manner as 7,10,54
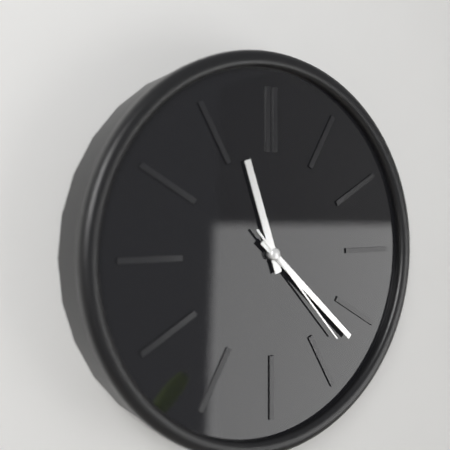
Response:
11,22,23
